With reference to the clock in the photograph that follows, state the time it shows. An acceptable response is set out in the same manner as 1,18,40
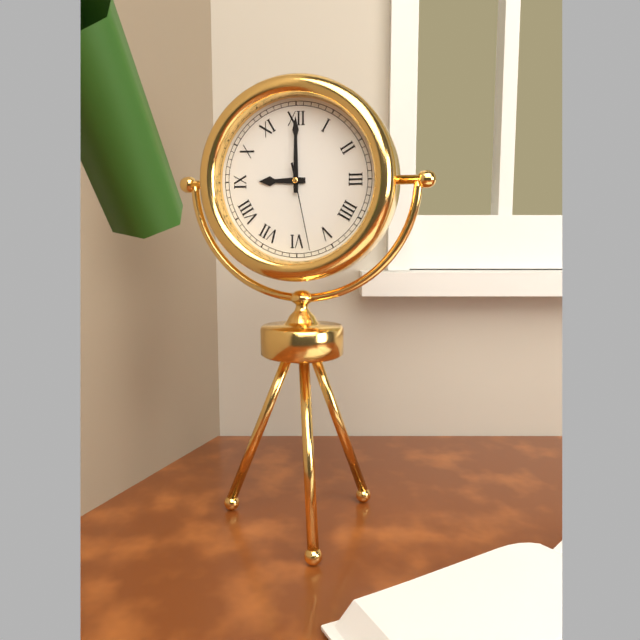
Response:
9,00,28
